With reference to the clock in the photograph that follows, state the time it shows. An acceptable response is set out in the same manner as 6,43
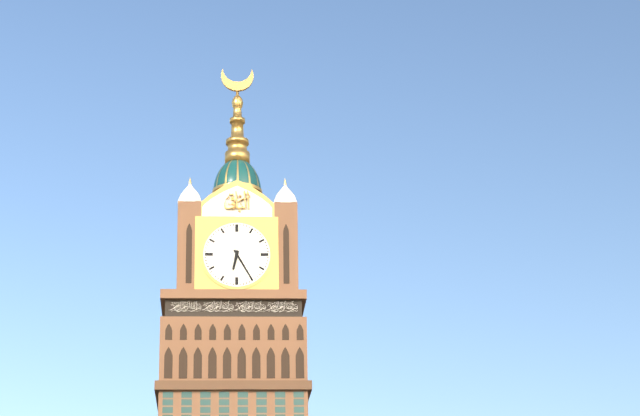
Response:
6,25
